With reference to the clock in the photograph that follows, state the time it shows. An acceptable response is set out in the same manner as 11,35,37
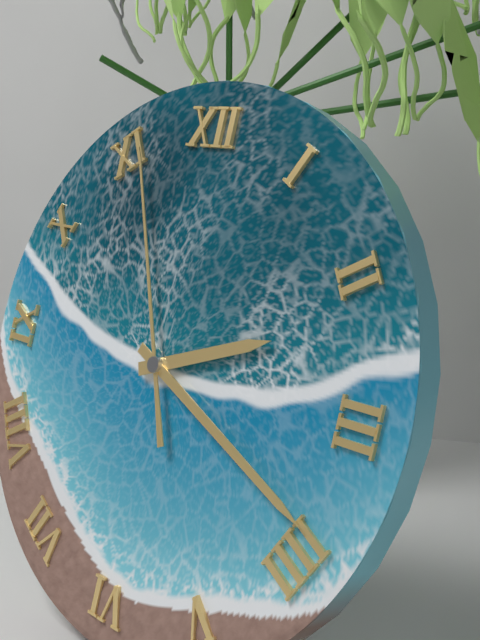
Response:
2,19,56
